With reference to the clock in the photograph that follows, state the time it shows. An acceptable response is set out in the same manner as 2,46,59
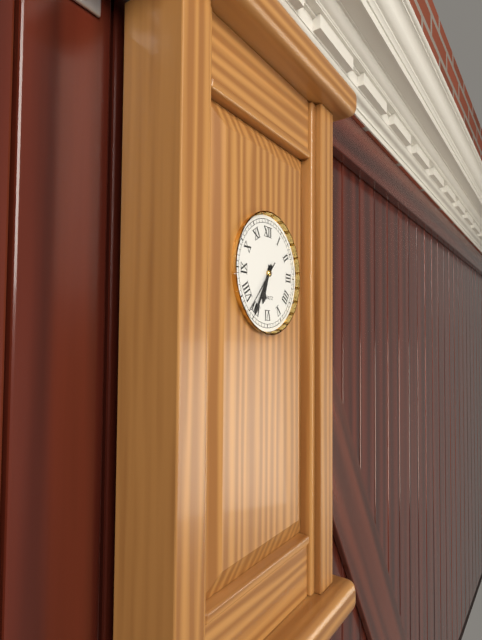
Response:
6,35,37
